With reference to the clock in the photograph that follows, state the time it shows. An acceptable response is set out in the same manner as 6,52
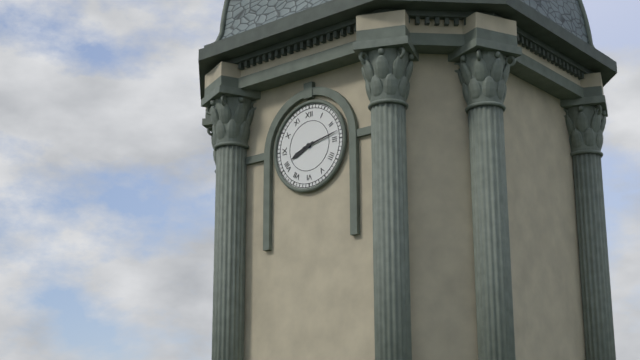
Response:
8,13
